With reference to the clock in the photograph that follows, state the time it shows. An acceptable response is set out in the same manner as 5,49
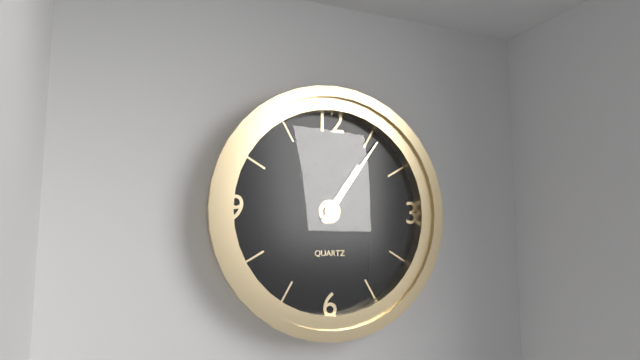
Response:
1,06
